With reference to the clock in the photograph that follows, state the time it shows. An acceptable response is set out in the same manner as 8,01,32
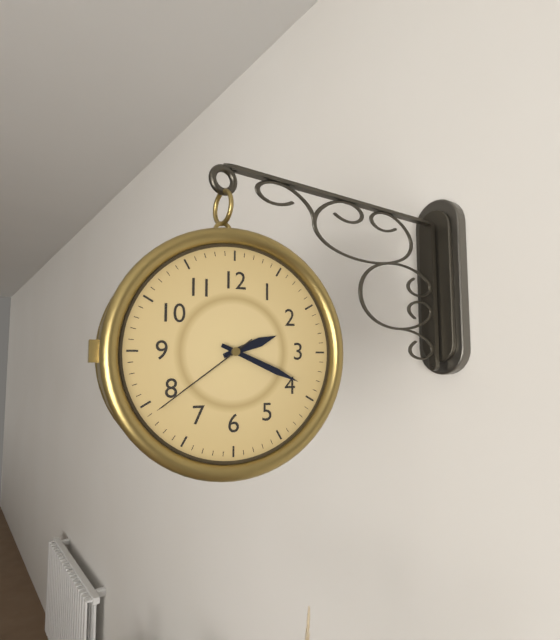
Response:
2,19,39
